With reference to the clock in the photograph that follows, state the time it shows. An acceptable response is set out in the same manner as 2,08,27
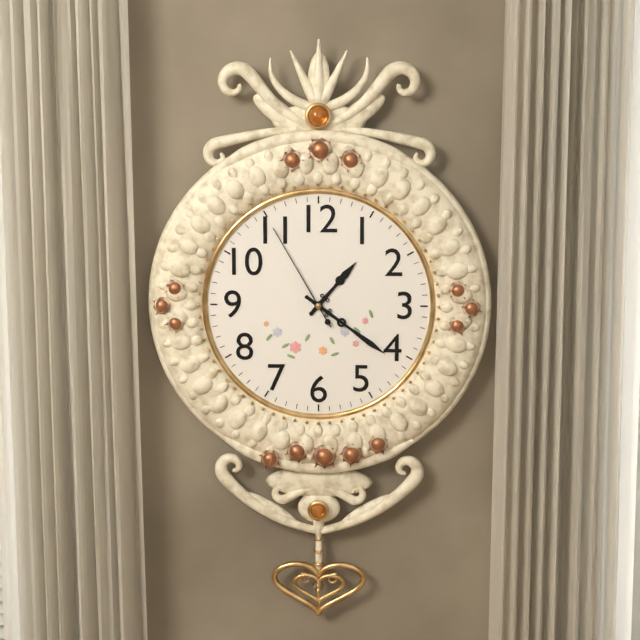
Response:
1,21,55
